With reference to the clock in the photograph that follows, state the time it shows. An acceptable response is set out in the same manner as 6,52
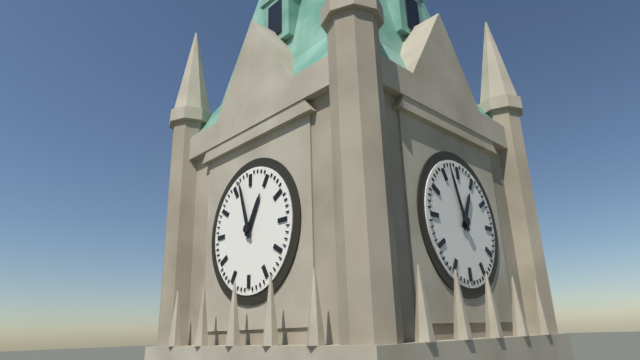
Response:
12,57
